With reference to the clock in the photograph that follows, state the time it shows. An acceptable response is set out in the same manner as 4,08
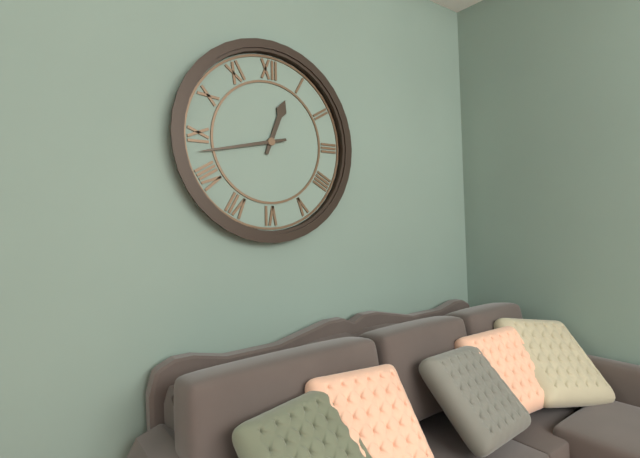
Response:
12,43
